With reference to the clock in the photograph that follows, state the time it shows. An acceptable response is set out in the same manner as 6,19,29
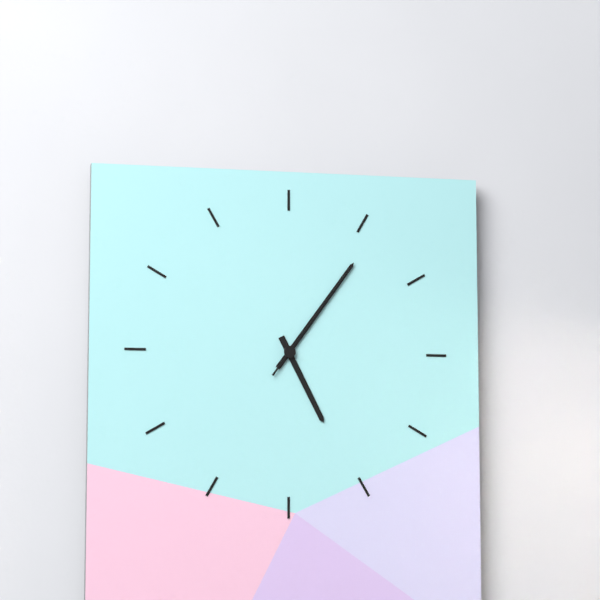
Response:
5,06,06
